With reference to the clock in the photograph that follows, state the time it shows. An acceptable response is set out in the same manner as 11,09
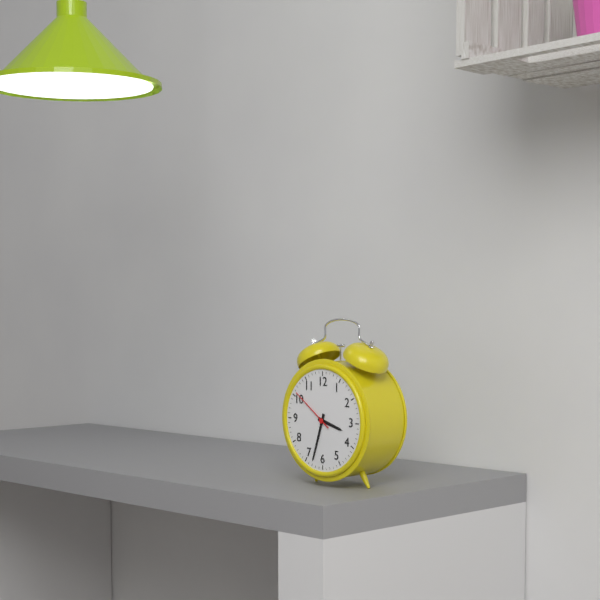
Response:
3,33
